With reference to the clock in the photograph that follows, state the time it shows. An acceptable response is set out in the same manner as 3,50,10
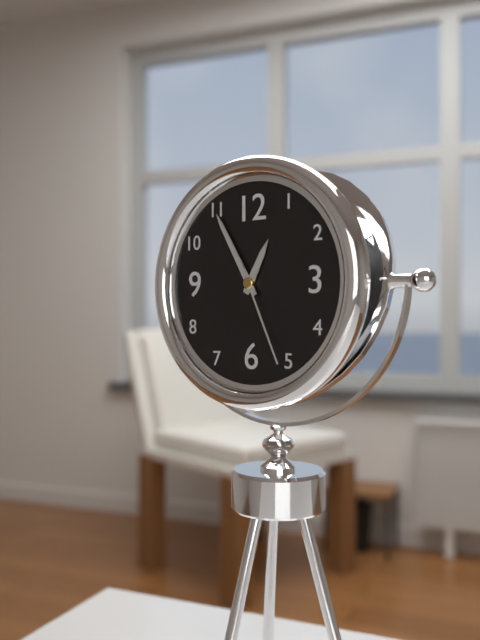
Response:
12,55,26
